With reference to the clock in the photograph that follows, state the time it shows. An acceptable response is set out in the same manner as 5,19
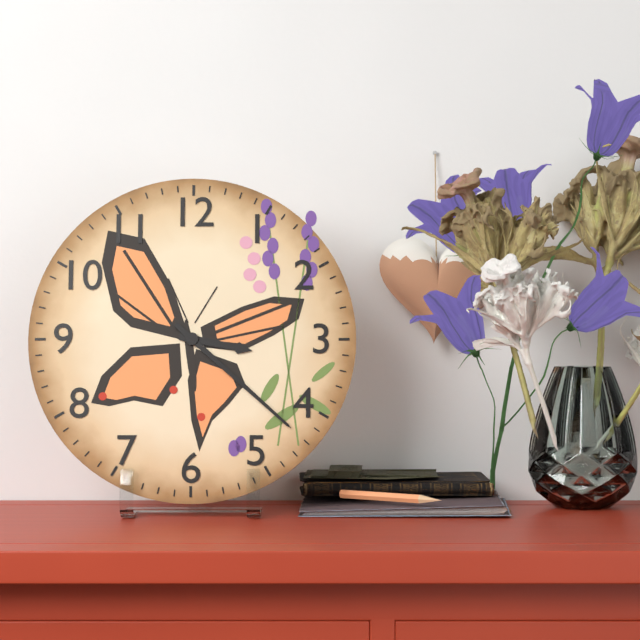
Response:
3,22
